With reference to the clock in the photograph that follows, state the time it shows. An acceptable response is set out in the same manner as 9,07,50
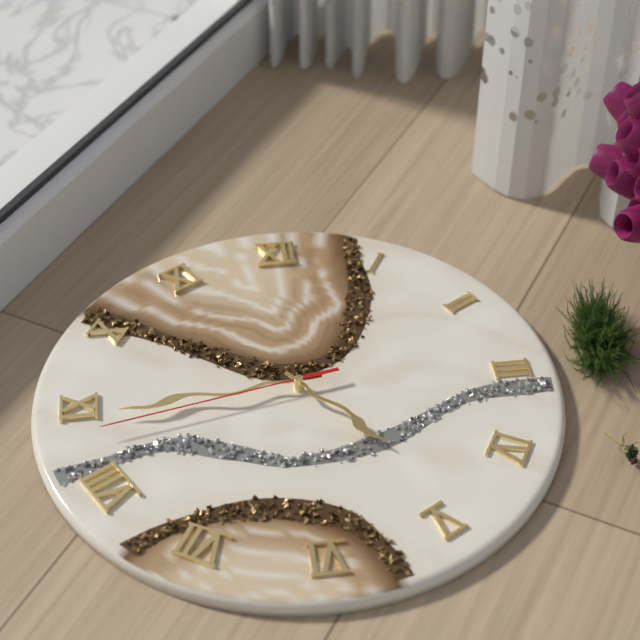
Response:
4,44,43
